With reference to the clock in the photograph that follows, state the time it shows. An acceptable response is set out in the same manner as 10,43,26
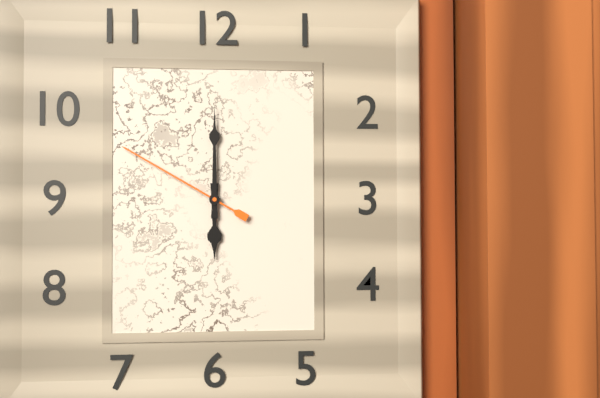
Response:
6,00,50
